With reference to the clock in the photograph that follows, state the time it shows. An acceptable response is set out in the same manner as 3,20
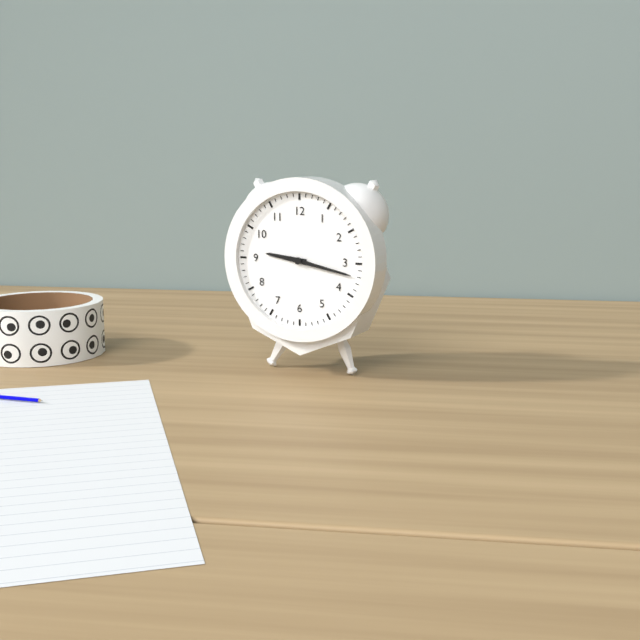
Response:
9,17
